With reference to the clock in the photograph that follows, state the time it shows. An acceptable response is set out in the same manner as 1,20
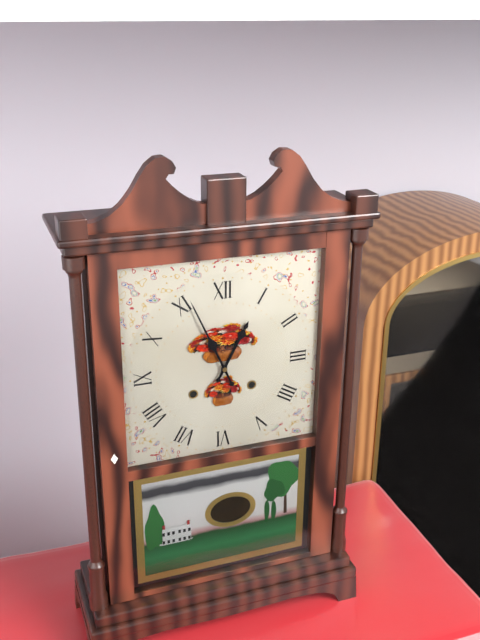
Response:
12,56
